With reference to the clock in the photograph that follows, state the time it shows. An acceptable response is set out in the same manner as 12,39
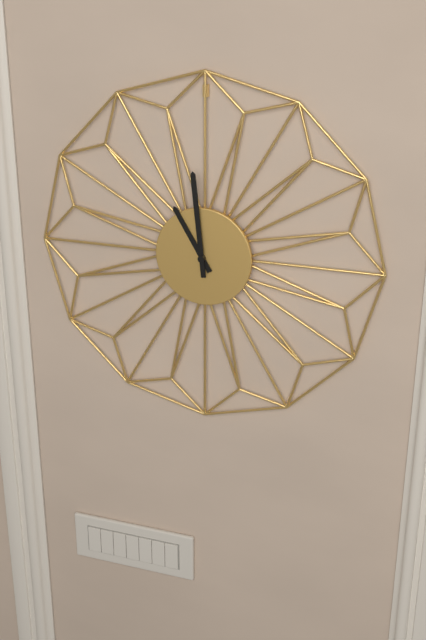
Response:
10,59
